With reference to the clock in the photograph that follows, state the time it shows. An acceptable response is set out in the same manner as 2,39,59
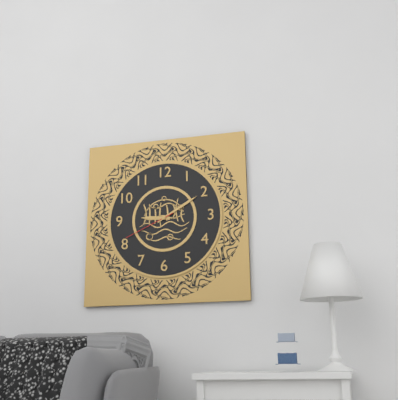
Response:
9,10,41
